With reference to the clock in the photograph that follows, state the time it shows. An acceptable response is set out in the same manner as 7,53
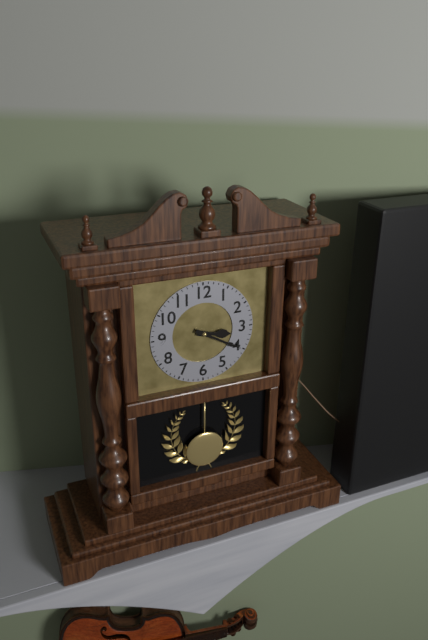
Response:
3,20
